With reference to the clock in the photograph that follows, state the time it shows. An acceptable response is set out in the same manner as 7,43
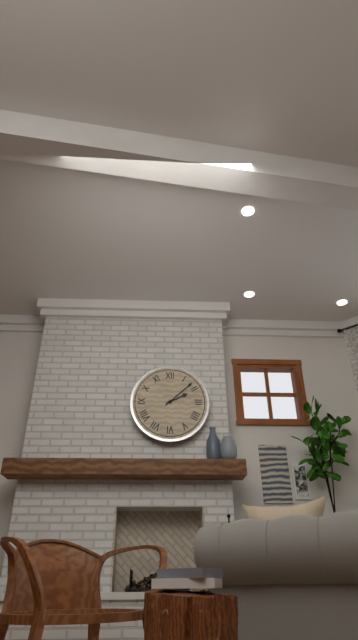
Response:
2,08
